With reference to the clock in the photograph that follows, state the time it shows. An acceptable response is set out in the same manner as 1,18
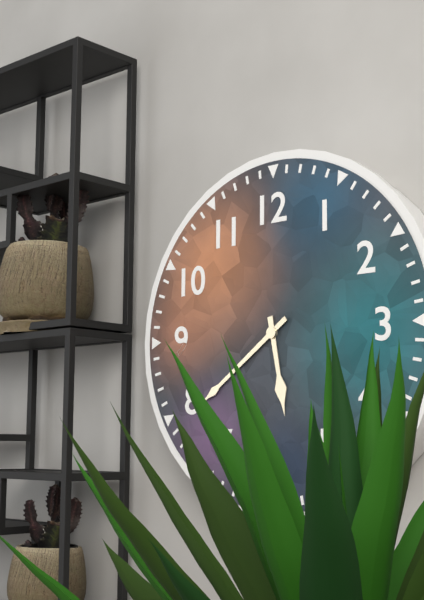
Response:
5,39
